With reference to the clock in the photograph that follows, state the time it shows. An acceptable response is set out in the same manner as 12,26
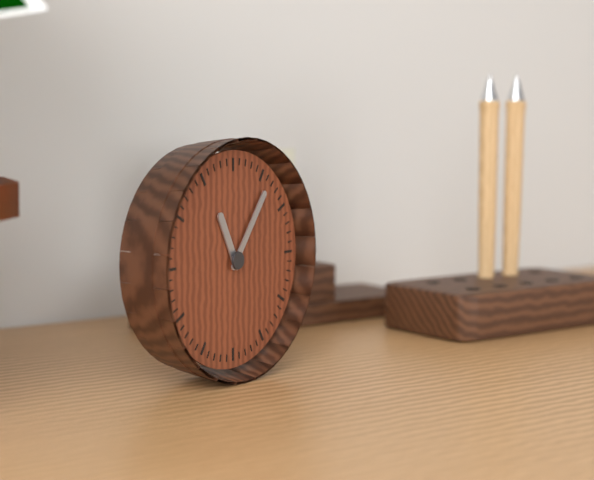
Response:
11,06
